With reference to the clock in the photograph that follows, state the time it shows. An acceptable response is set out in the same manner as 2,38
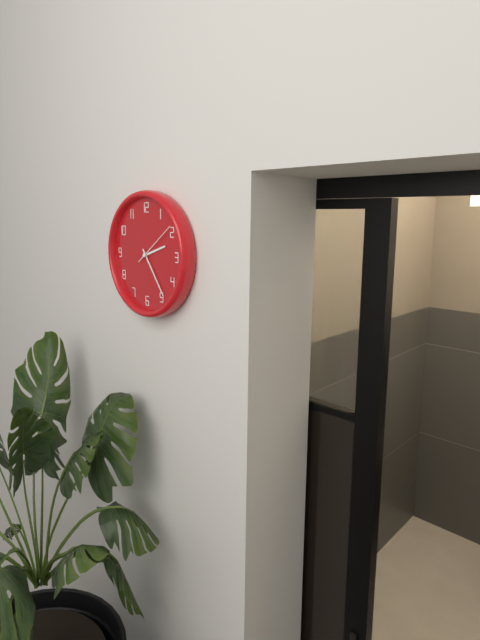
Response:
2,24
